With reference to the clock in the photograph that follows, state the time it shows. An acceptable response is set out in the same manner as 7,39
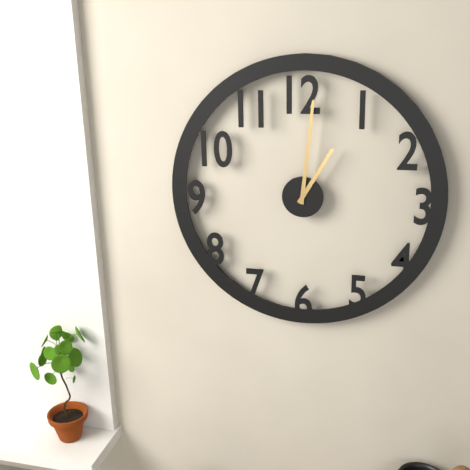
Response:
1,01
